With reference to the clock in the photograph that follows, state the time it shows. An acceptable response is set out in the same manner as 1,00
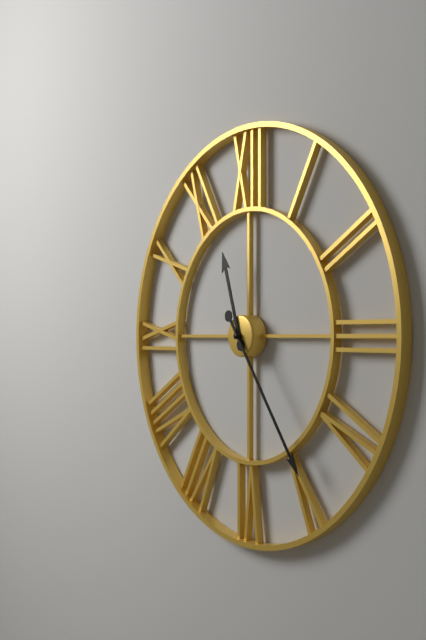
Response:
11,24
